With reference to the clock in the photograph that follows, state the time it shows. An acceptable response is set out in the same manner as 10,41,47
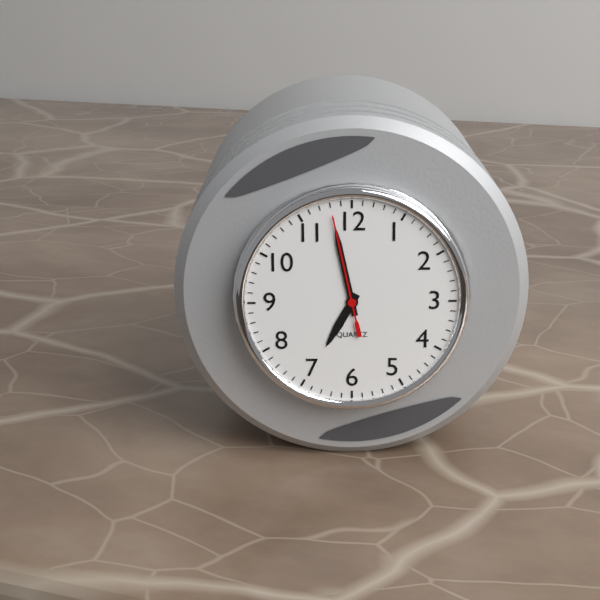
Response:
6,58,58
